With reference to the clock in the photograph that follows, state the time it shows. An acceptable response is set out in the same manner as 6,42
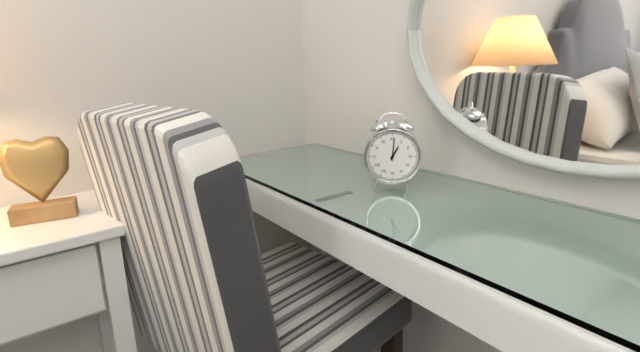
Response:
1,01
